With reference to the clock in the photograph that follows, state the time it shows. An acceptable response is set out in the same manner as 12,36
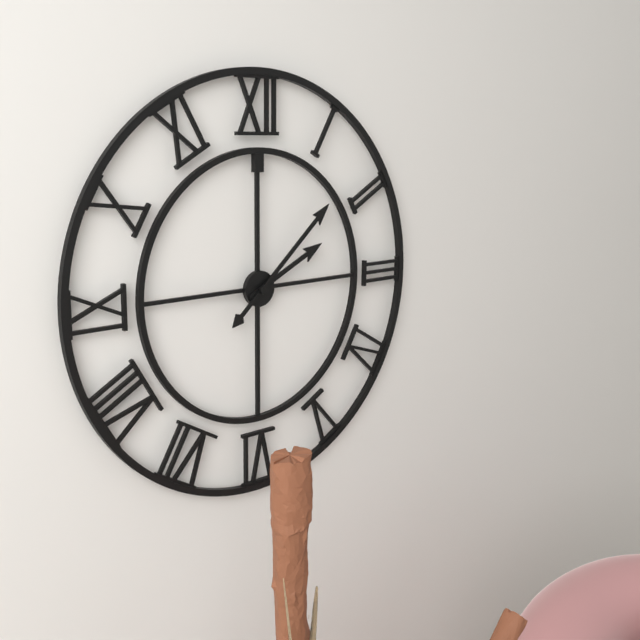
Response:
2,08
